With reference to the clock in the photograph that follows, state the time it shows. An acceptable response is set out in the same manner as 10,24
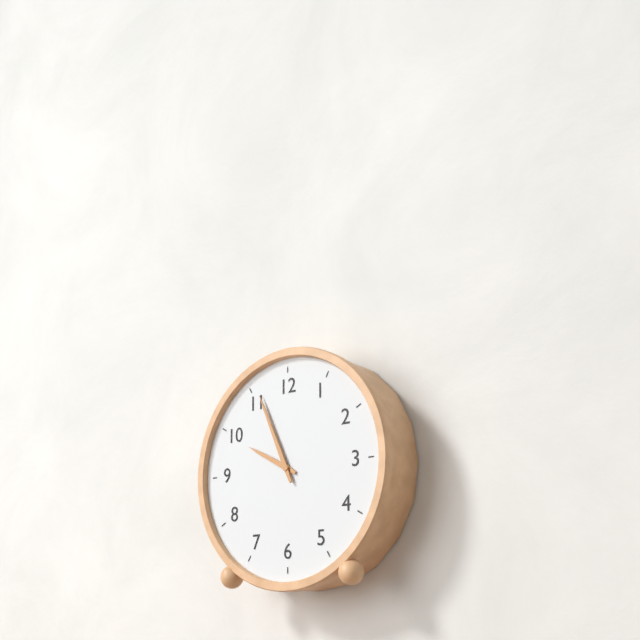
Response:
9,56
